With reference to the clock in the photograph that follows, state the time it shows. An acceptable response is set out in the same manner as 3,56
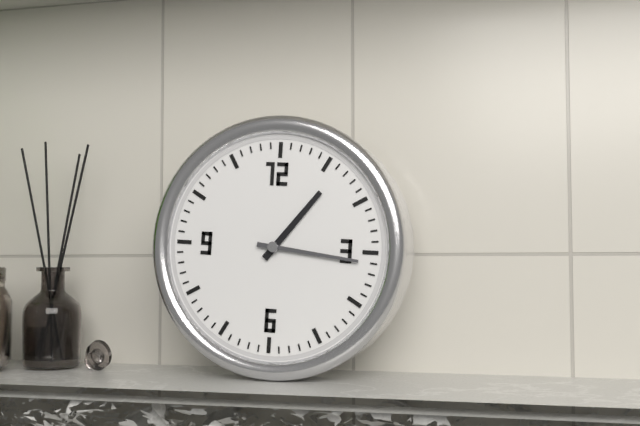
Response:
1,16
